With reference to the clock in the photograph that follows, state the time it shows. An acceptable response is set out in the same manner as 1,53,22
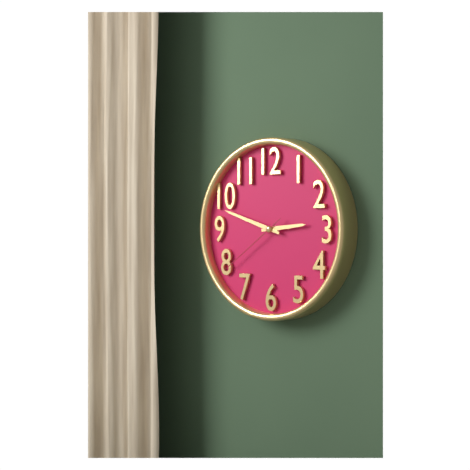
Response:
2,48,39
